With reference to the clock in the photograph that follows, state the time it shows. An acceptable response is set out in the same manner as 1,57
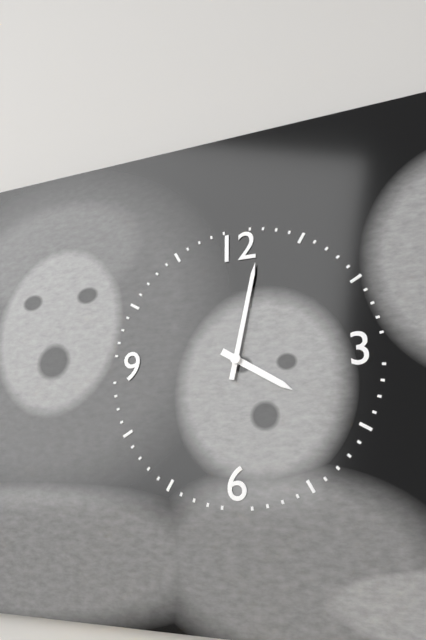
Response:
4,02
